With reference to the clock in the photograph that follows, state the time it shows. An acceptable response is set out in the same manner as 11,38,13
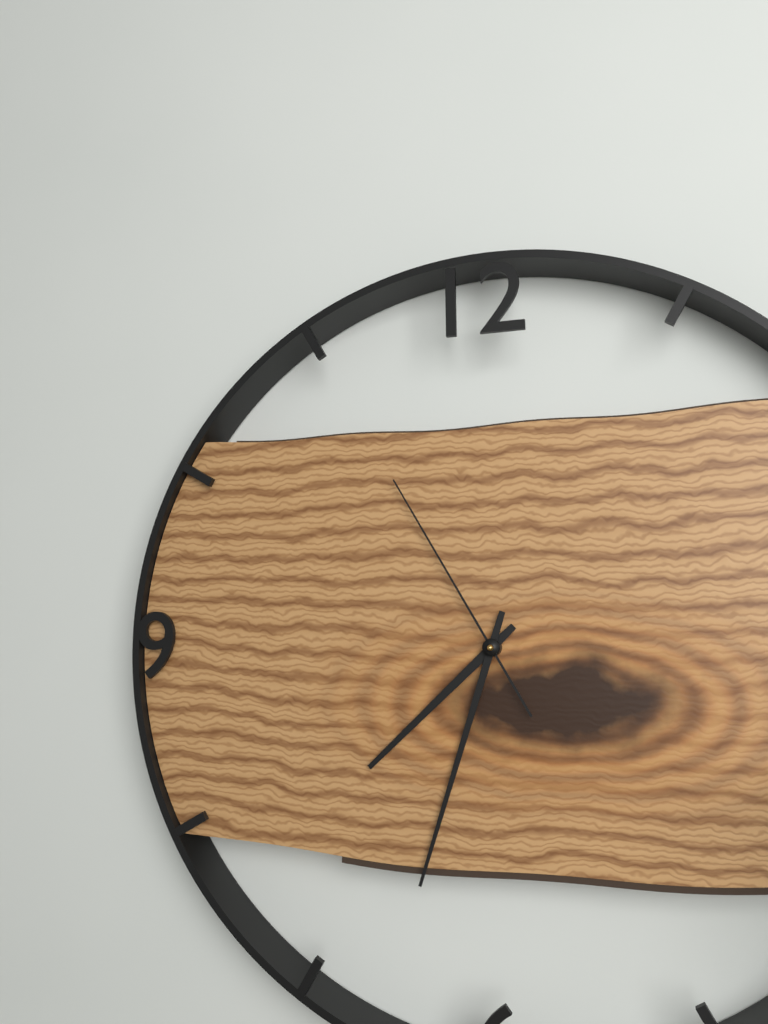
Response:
7,33,55
